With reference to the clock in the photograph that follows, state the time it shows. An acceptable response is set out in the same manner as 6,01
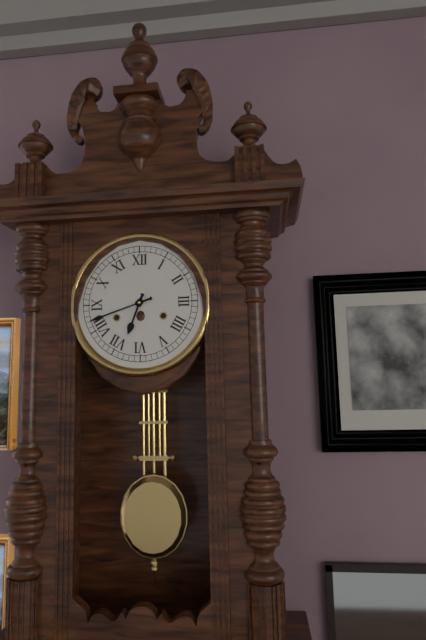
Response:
6,42
